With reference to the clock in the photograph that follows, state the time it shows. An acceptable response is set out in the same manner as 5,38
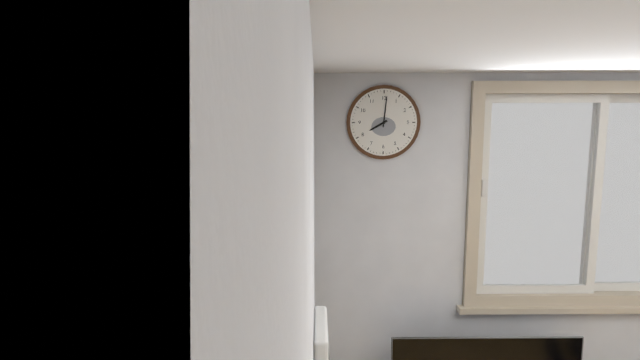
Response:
8,01
